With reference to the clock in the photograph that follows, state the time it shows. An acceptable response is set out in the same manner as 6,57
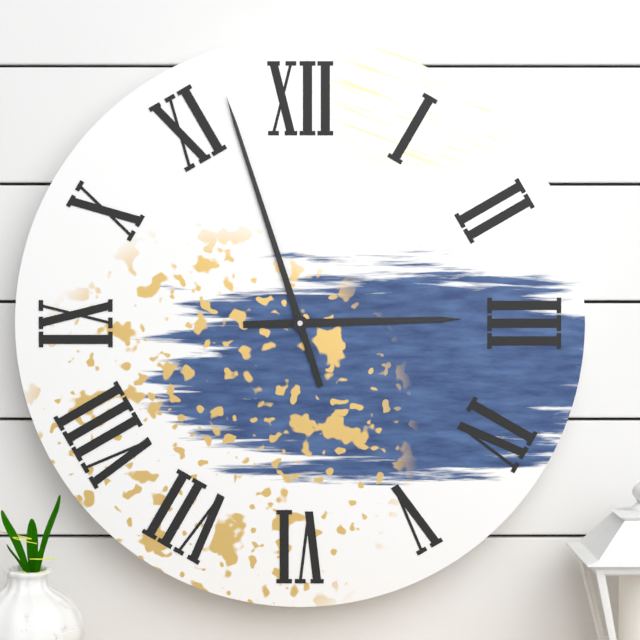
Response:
2,57
